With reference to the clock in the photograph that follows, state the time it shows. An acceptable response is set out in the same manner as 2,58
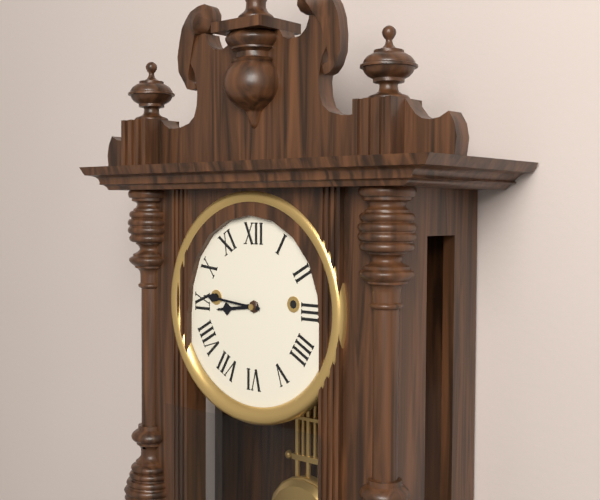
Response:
8,46
